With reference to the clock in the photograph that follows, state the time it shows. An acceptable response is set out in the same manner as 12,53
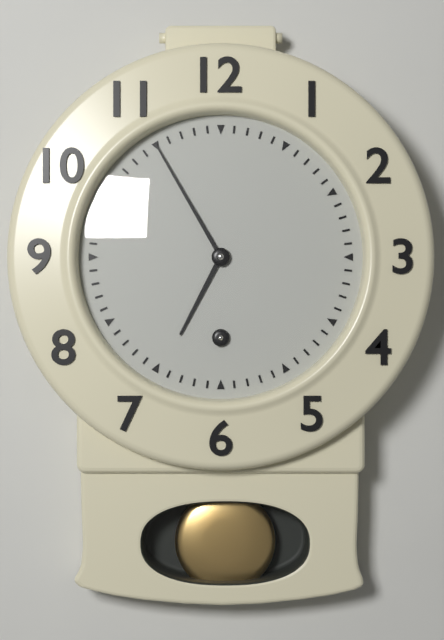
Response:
6,55
